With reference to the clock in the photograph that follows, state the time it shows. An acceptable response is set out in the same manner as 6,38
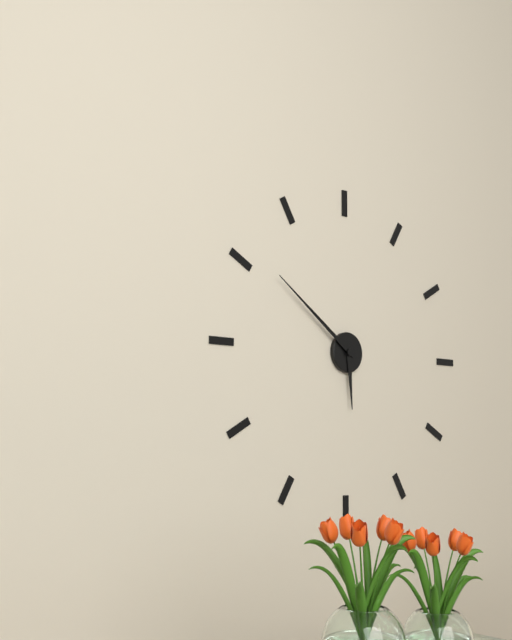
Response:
5,51
